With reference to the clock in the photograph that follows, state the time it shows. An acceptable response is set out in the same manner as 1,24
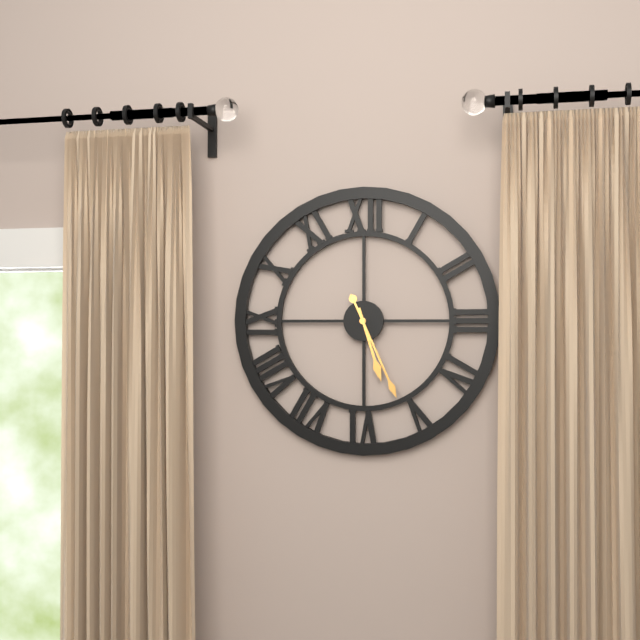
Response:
5,26
